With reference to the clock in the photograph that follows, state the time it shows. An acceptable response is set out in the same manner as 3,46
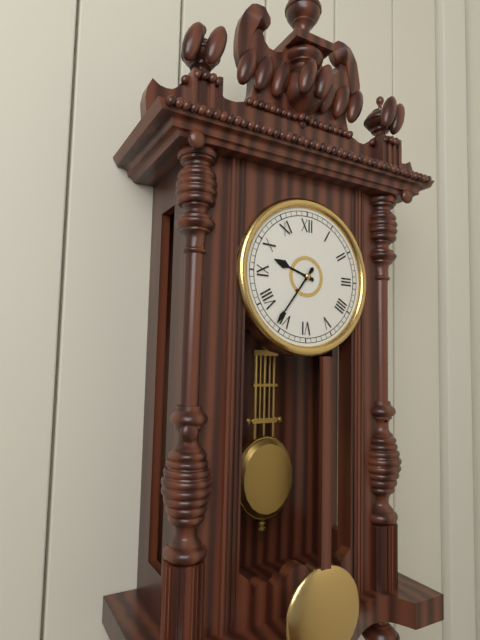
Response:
9,36
